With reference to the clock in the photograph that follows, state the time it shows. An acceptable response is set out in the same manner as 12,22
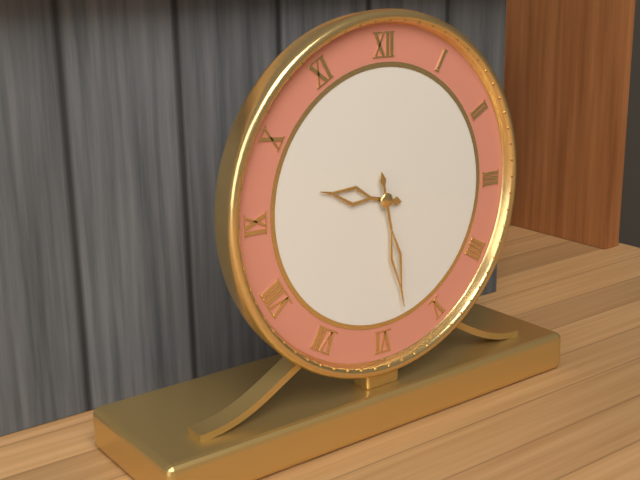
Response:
9,28
